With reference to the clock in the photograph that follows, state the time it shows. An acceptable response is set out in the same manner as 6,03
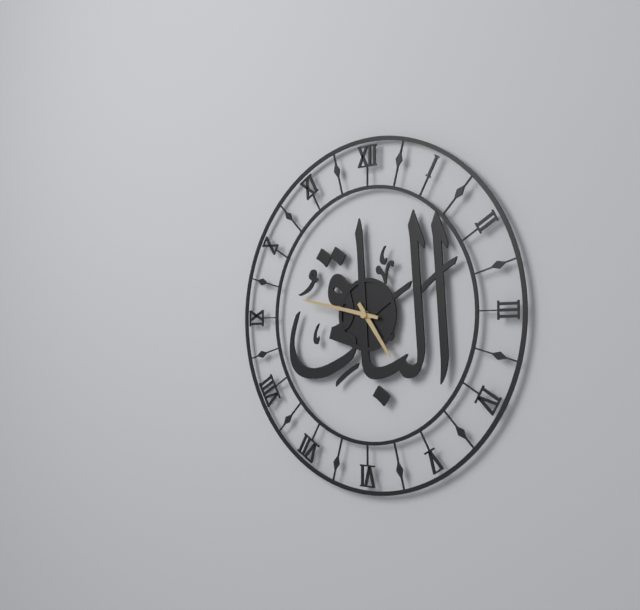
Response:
4,47
